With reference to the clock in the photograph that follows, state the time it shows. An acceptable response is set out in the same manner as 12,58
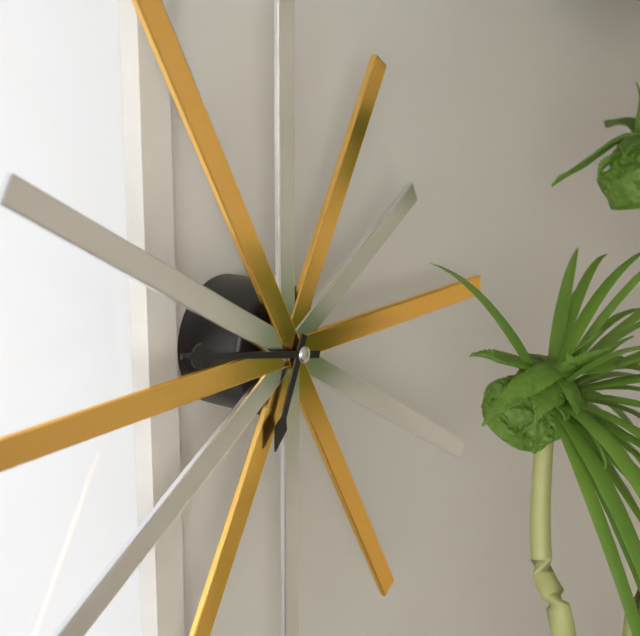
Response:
6,47
